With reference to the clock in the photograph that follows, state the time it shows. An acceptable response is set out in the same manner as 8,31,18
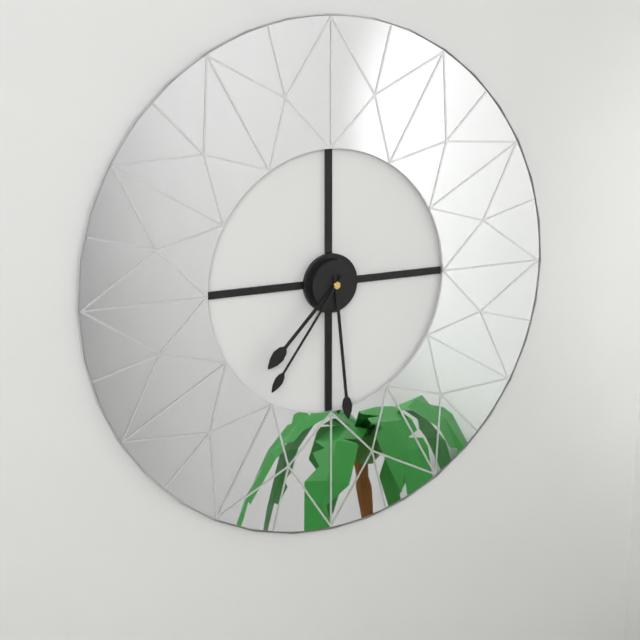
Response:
7,29,36
